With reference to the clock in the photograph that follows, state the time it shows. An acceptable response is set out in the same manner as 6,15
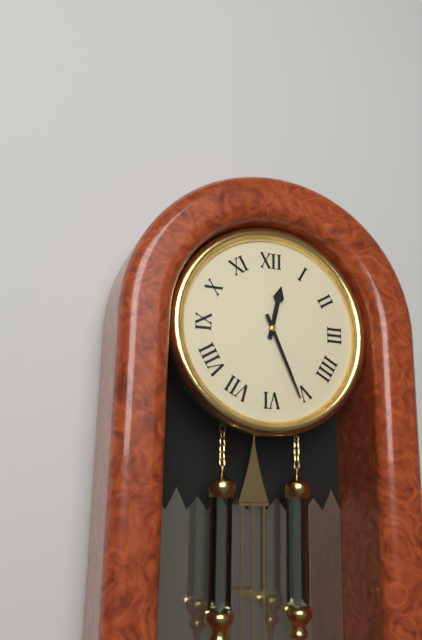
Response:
12,26
